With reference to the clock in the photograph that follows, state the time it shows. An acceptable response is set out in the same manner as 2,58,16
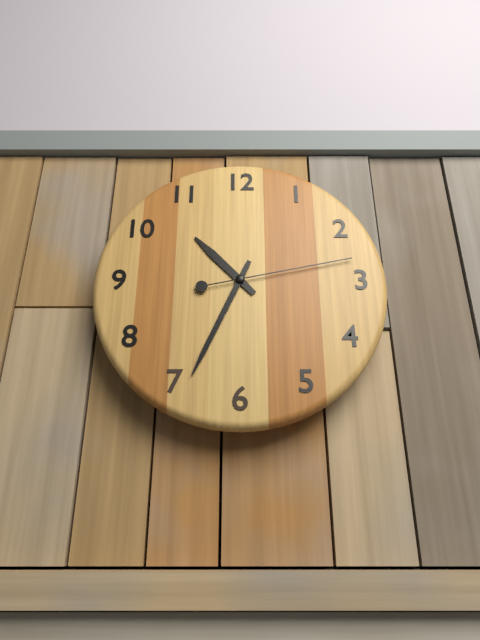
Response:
10,34,13
